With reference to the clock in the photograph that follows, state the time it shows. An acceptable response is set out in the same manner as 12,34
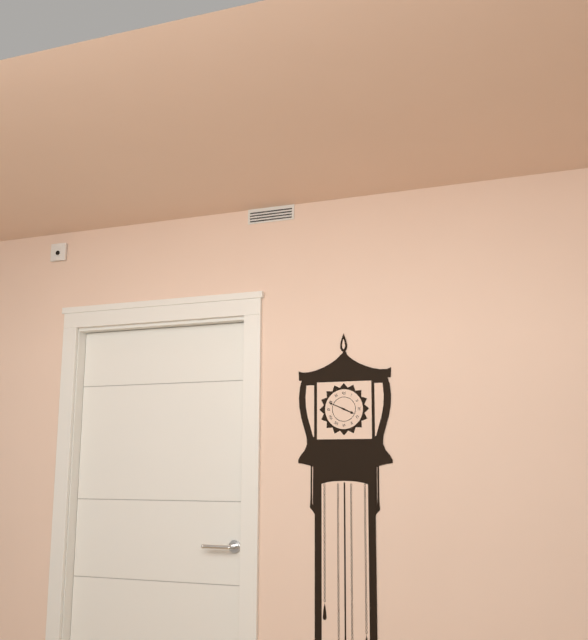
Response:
3,49
